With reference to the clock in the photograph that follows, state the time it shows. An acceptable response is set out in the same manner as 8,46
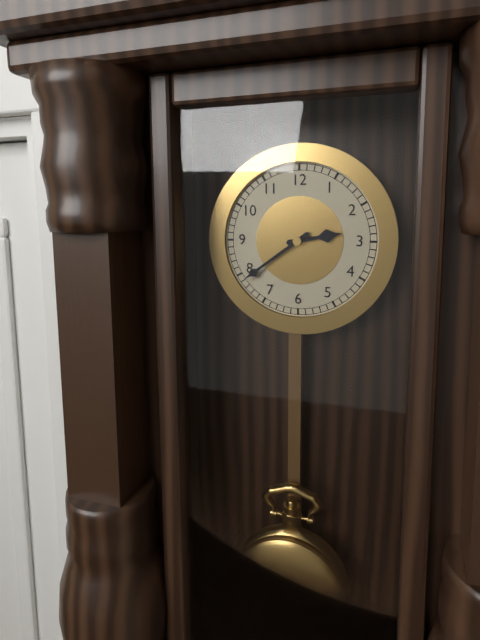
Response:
2,39
